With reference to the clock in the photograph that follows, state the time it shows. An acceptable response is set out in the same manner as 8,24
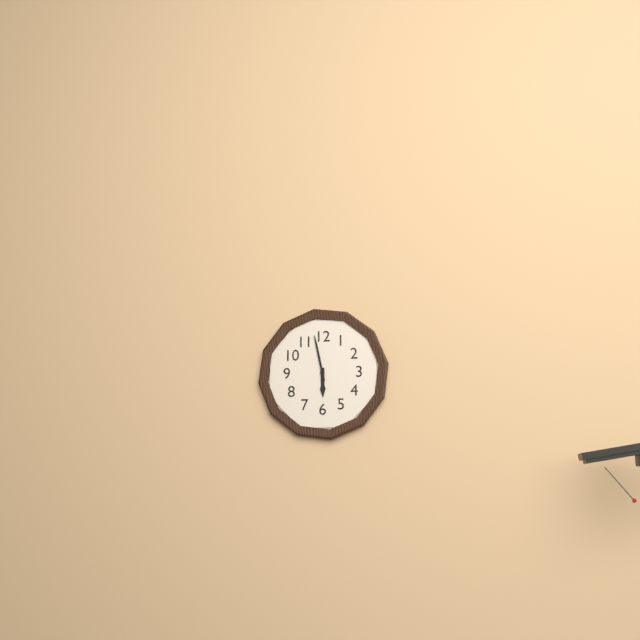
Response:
5,58
